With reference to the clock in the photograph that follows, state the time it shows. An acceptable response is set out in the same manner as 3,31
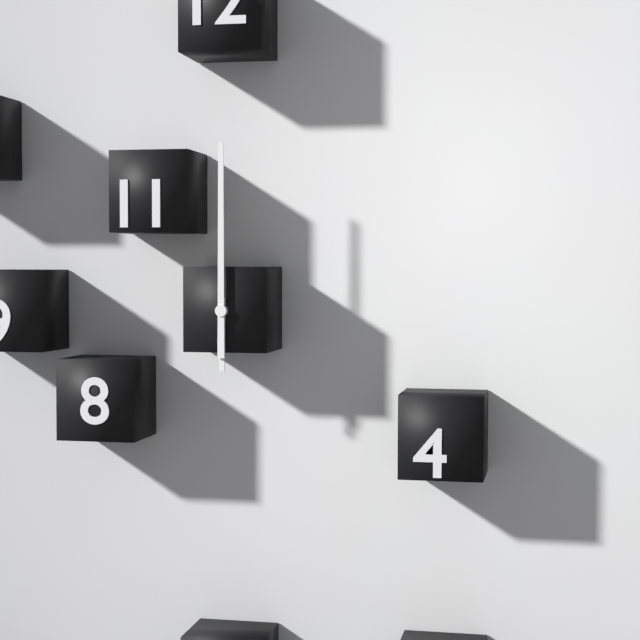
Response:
6,00
